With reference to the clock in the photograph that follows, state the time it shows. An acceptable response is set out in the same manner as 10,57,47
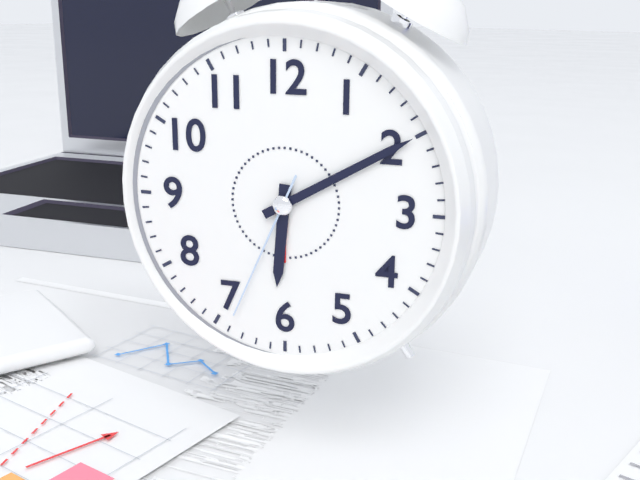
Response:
6,10,34
